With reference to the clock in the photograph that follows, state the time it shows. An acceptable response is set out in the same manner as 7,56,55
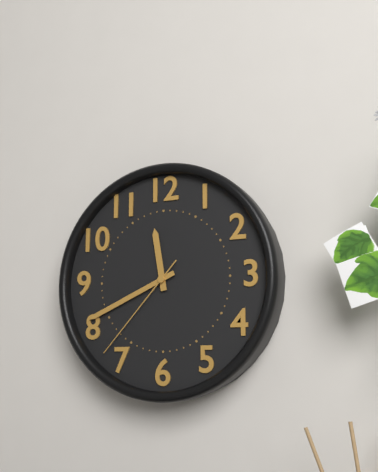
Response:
11,41,37
